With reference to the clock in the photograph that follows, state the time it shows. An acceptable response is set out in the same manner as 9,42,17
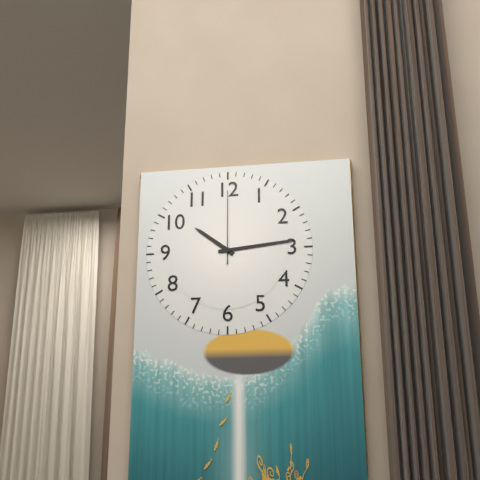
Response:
10,14,00
